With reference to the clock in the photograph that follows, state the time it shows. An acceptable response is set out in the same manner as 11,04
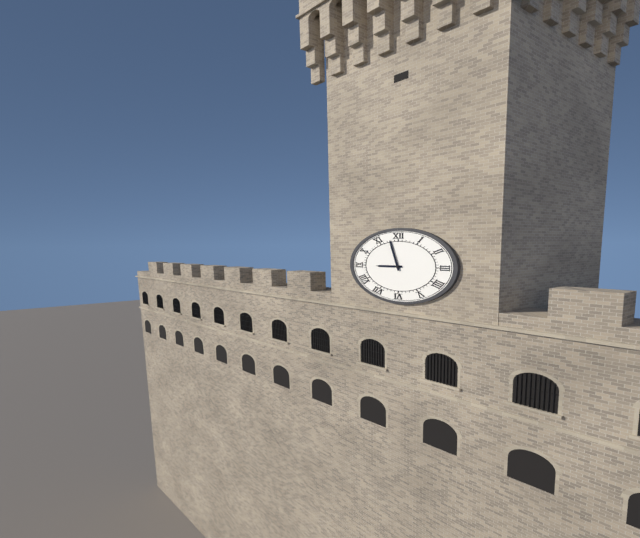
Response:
8,58
